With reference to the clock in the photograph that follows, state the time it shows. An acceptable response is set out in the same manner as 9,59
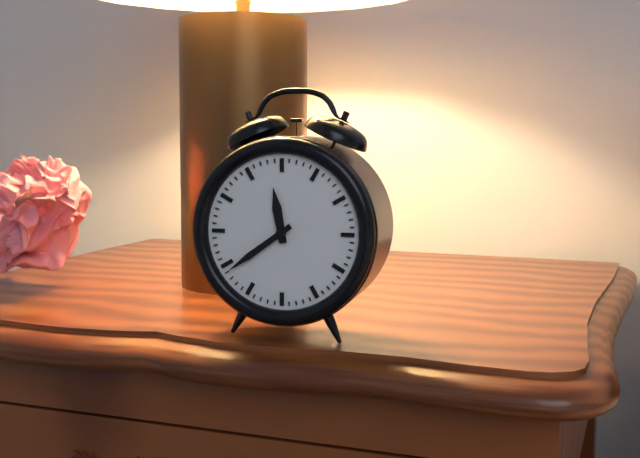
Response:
11,39
